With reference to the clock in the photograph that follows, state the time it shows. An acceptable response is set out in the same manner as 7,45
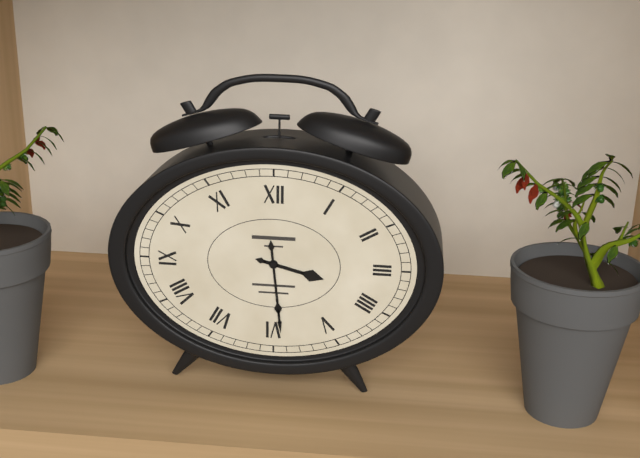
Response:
3,29
